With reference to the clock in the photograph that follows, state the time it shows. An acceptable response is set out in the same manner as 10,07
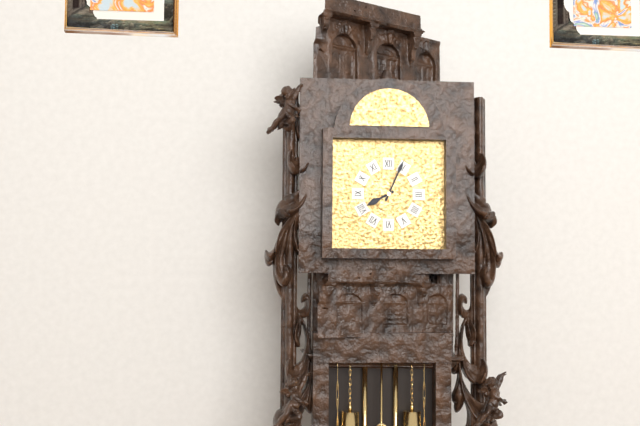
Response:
8,04
